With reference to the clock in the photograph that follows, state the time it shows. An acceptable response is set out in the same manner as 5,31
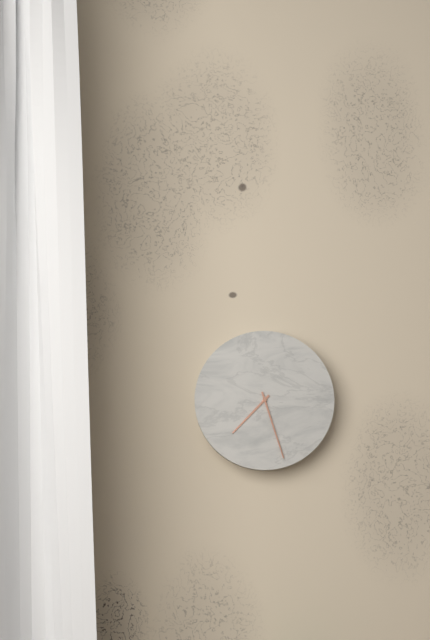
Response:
7,27
